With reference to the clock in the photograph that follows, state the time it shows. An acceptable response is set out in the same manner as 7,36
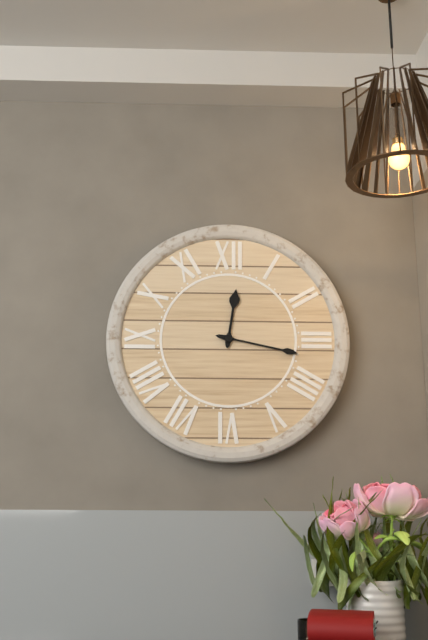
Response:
12,17
